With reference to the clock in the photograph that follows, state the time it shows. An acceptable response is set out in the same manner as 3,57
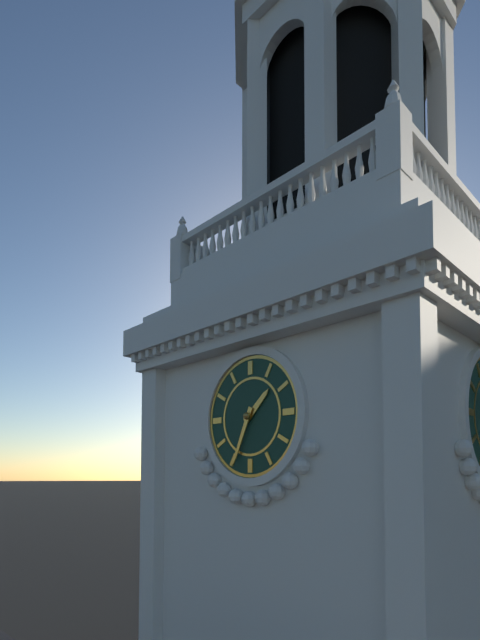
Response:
1,34
